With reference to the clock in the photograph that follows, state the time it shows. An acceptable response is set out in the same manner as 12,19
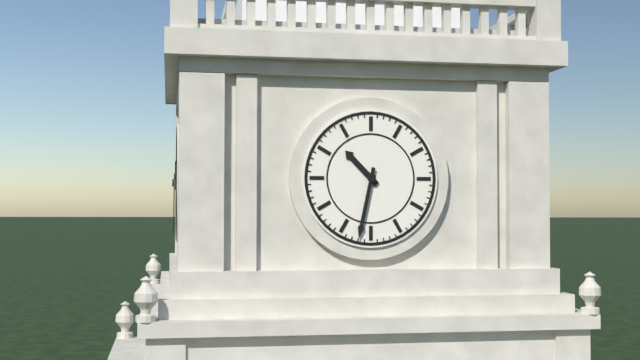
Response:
10,32
